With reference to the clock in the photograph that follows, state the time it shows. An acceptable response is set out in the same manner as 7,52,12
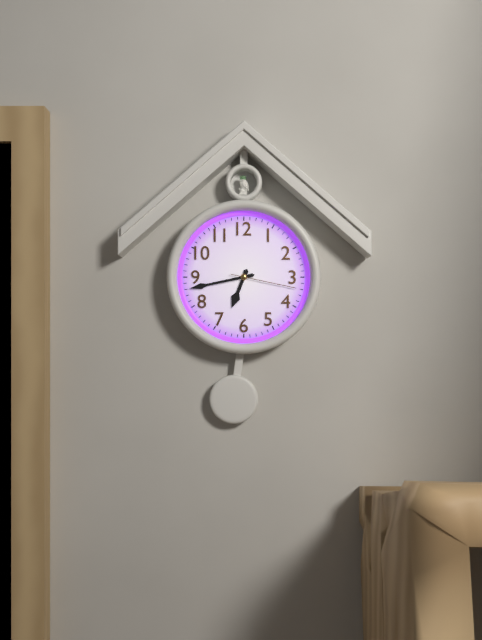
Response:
6,43,17
